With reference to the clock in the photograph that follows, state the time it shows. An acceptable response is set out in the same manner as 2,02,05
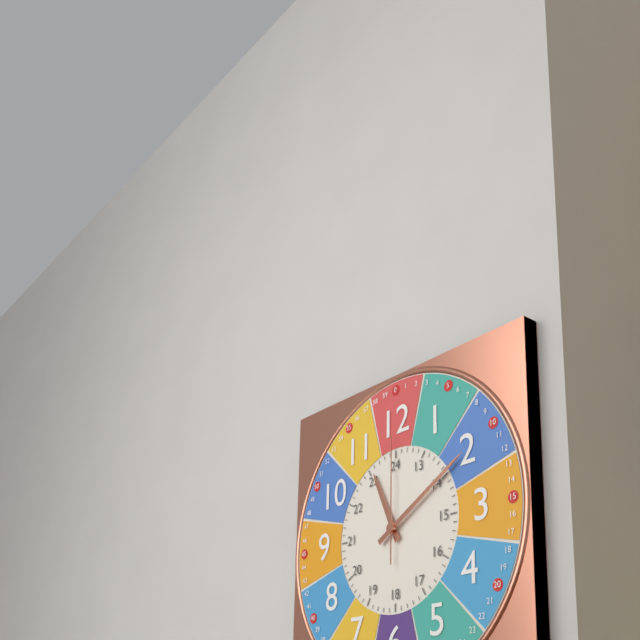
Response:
11,10,00
